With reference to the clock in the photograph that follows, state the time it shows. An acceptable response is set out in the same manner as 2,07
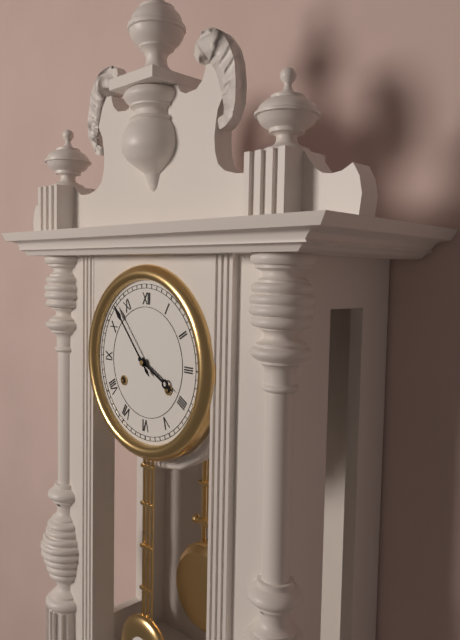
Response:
3,53
